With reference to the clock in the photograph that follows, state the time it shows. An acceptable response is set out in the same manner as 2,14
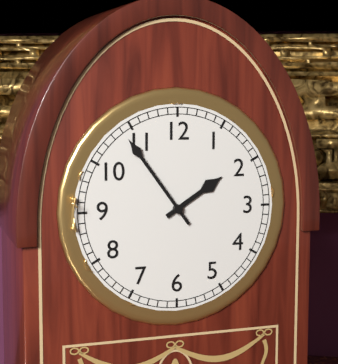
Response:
1,54
